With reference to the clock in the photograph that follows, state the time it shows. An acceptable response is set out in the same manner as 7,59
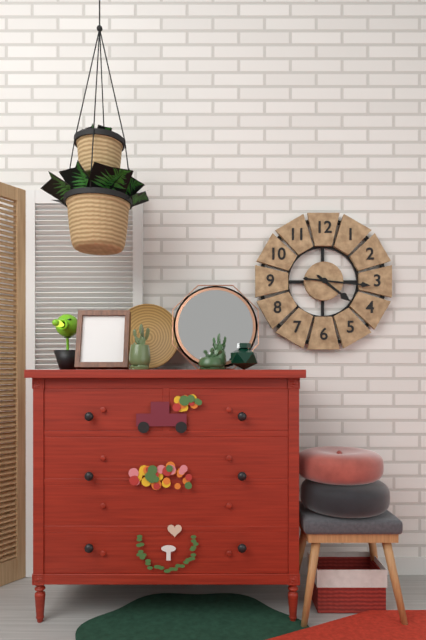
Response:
4,16
